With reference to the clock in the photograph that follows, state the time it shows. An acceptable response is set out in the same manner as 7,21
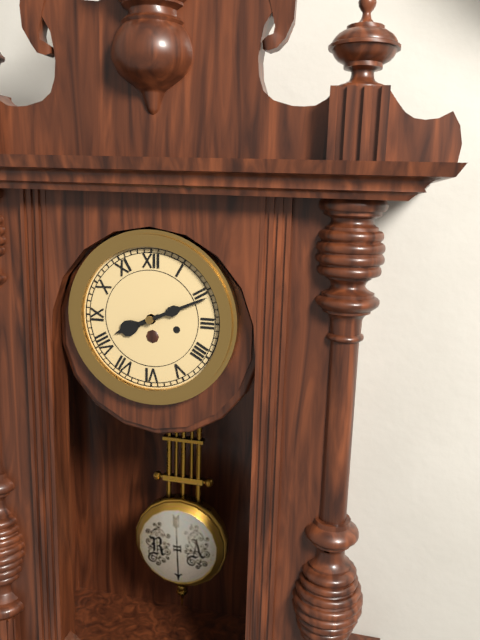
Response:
8,11
